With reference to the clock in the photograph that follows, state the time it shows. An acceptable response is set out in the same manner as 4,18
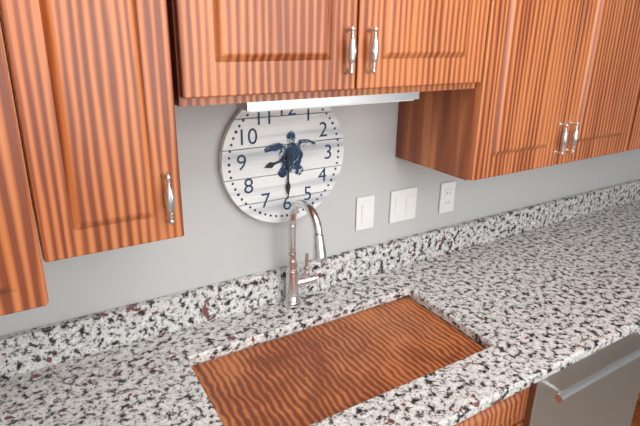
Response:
8,30
